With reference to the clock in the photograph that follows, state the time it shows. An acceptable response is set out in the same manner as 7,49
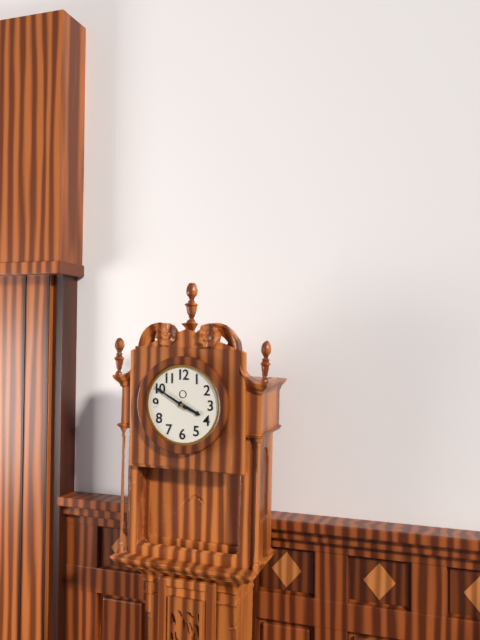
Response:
3,50
